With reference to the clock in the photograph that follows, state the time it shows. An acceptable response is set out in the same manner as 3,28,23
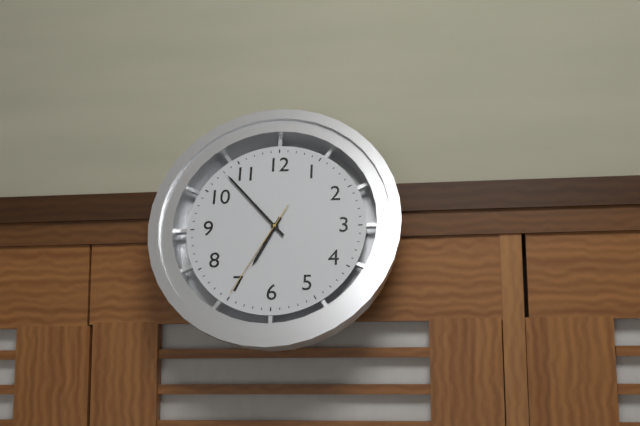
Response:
6,53,35
